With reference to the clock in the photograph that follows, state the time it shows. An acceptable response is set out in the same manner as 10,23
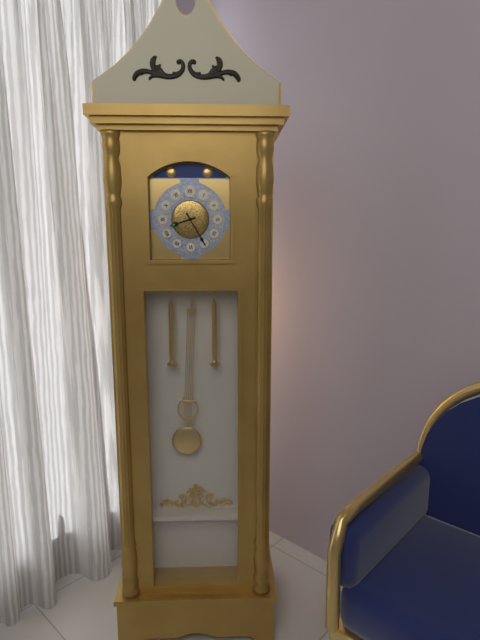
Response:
8,25
